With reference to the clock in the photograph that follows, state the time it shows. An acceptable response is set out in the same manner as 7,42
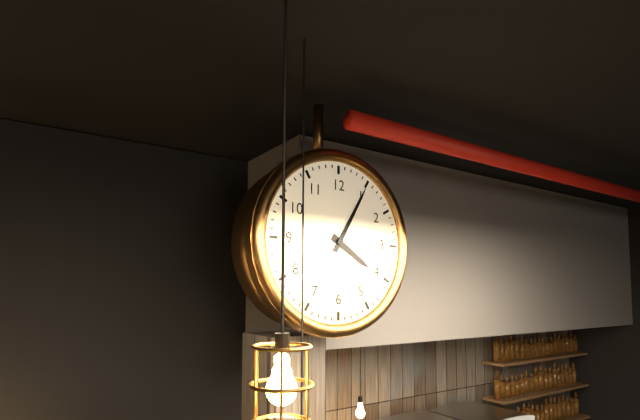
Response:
4,05
